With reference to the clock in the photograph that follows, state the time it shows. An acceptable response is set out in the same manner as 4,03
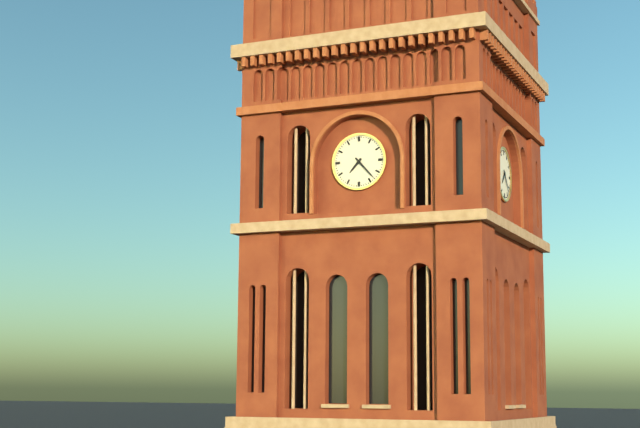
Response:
7,23
